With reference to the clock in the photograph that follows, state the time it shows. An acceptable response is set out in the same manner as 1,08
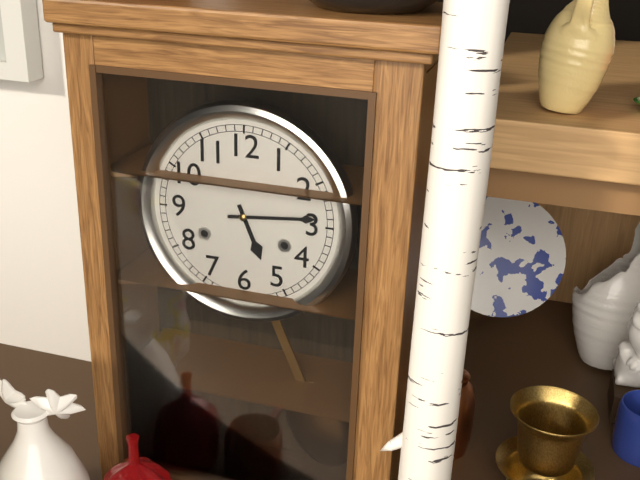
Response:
5,14
